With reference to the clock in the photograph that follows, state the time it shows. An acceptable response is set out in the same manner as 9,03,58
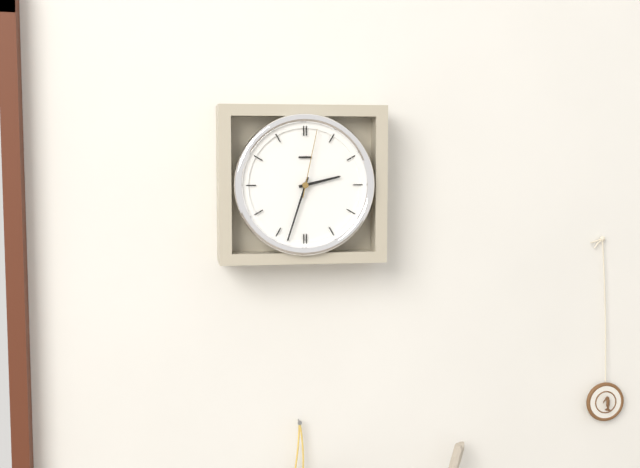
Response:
2,33,02
